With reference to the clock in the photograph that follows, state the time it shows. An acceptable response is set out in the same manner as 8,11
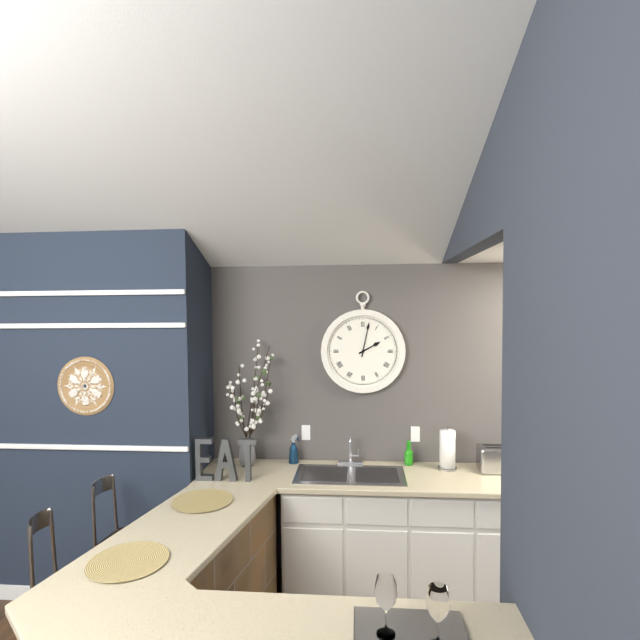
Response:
2,02
